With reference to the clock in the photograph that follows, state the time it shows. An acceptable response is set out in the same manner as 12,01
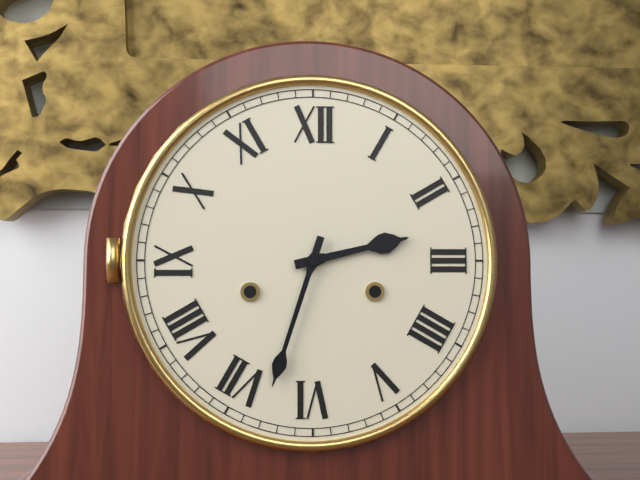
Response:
2,33
